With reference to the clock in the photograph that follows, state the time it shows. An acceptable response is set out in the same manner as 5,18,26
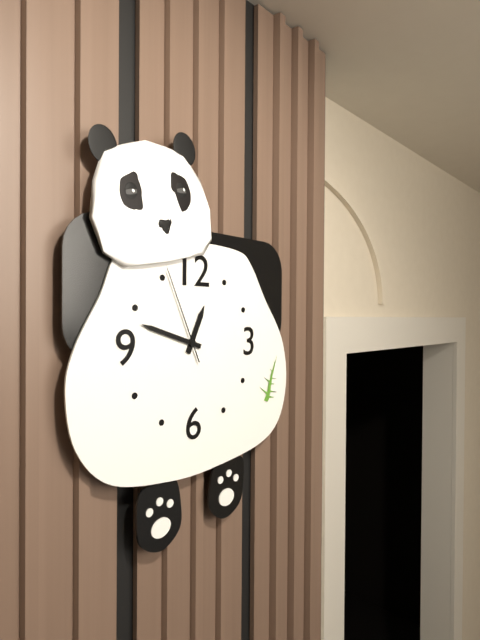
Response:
12,48,56
